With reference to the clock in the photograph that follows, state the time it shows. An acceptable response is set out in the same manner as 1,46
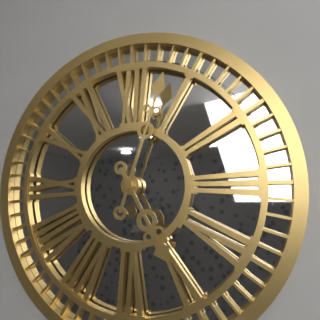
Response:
5,03
